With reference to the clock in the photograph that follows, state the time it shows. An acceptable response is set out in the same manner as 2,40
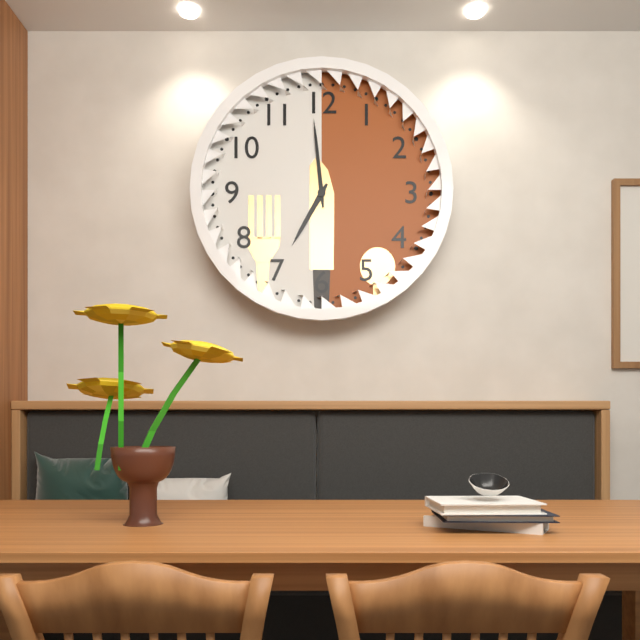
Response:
6,59
